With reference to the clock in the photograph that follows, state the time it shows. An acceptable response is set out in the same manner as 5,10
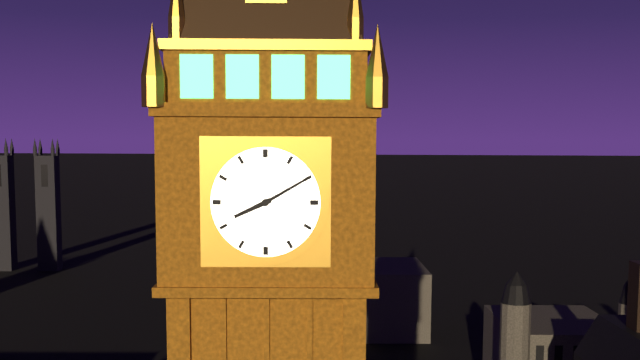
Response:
8,10
